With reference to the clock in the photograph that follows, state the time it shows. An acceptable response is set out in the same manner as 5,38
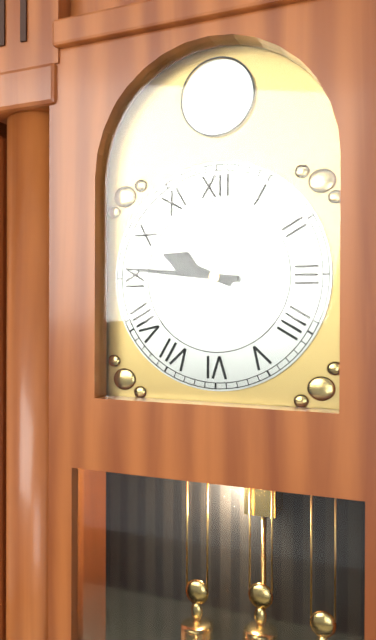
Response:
9,46
